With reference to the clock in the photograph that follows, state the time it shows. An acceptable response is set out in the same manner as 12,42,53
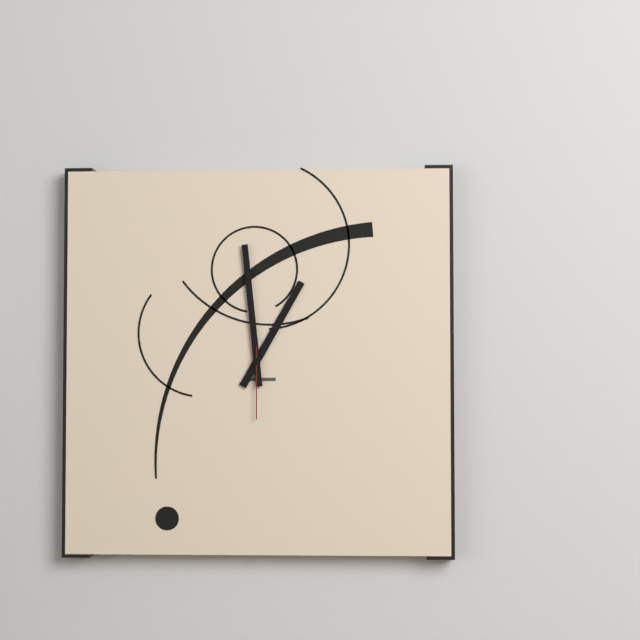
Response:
12,59,30
